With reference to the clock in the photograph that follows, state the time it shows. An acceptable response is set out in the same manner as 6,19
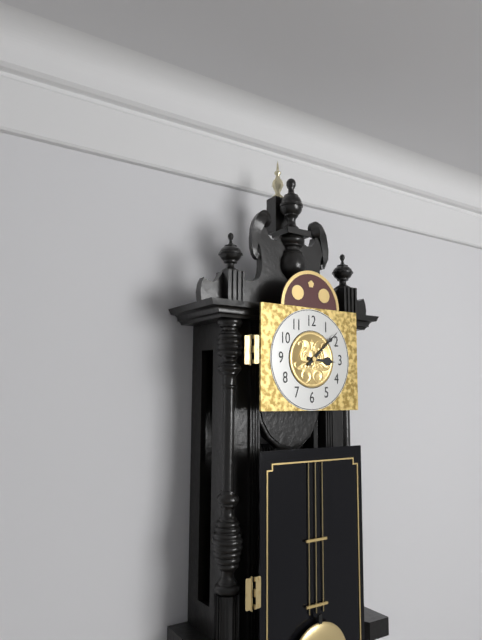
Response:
3,08
